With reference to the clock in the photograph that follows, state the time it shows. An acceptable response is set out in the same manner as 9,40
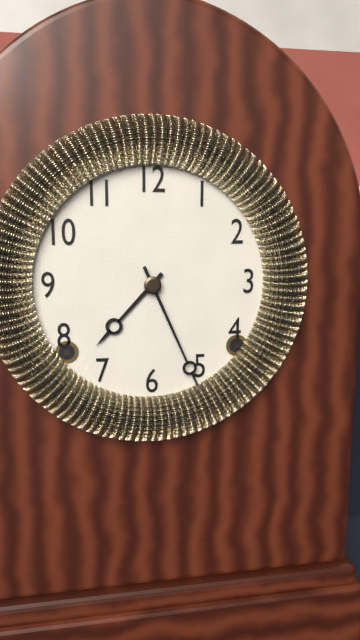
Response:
7,26
